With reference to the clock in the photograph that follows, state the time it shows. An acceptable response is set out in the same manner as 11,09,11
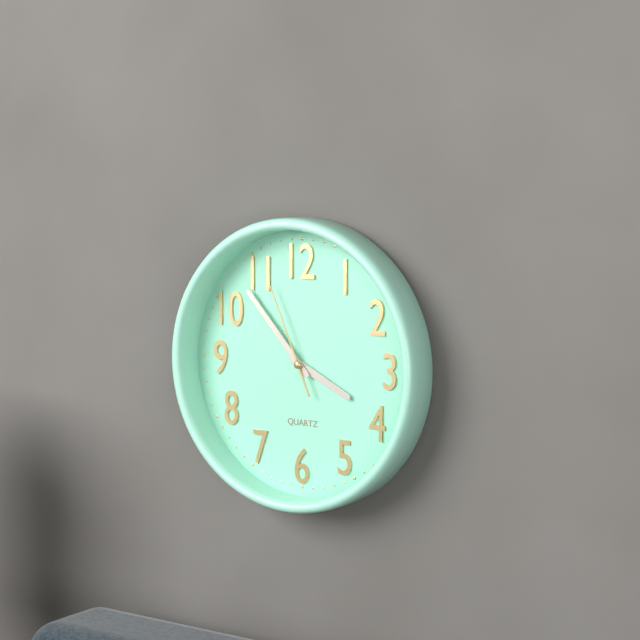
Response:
3,53,56
